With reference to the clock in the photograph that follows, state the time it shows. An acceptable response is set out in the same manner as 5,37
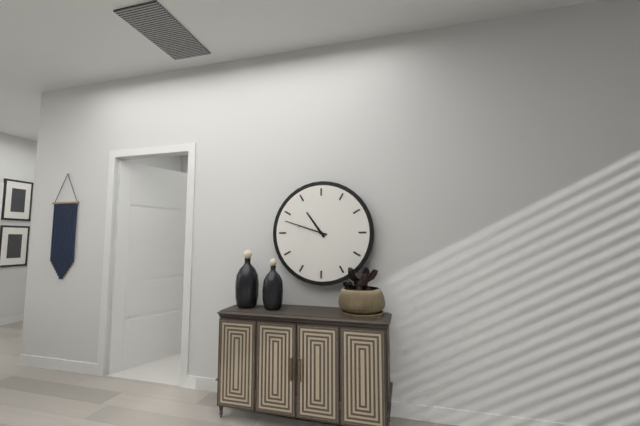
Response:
10,48
